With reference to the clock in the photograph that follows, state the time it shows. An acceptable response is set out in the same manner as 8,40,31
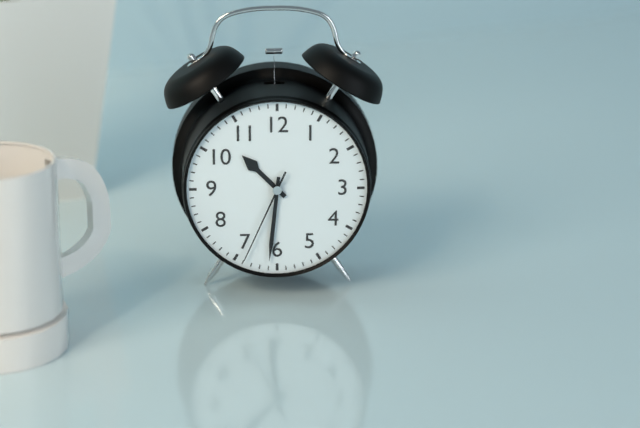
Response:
10,31,34
